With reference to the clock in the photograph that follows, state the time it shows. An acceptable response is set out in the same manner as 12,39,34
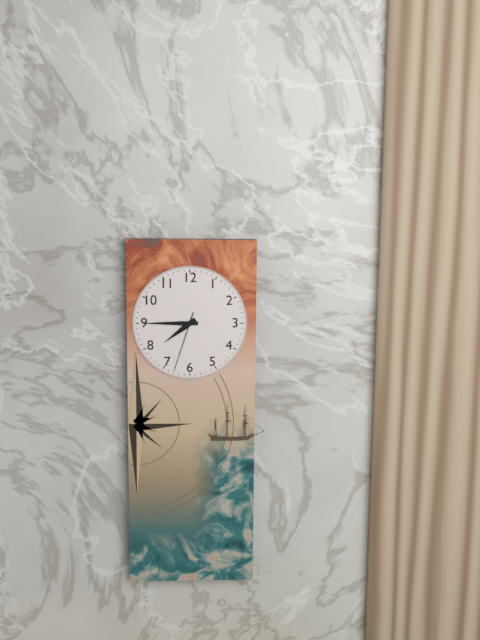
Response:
7,45,33
